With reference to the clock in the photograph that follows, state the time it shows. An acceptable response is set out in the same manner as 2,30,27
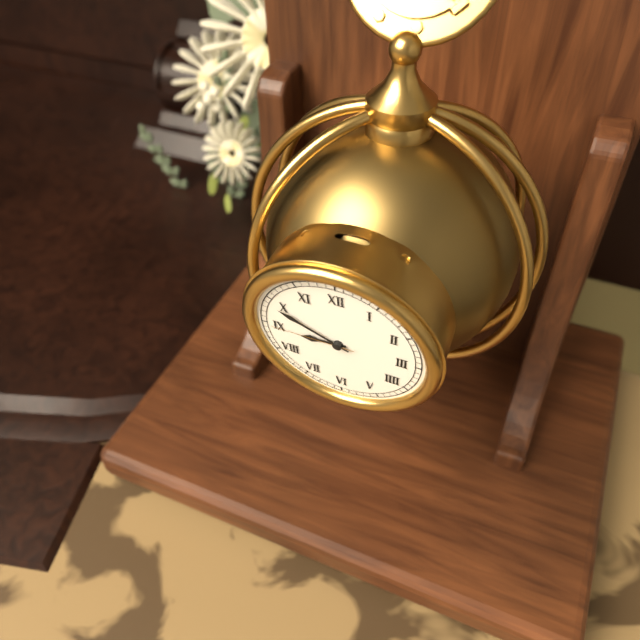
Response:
8,49,45
